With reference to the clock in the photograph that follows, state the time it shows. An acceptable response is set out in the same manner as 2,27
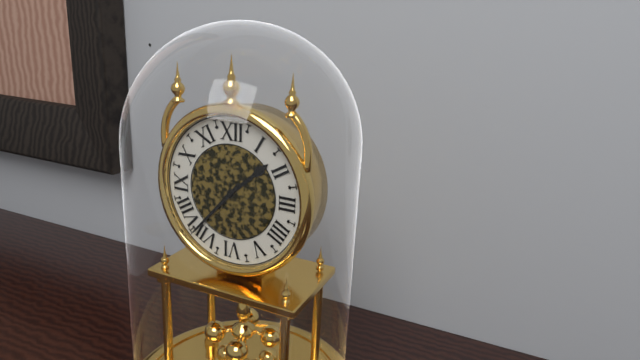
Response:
1,37
